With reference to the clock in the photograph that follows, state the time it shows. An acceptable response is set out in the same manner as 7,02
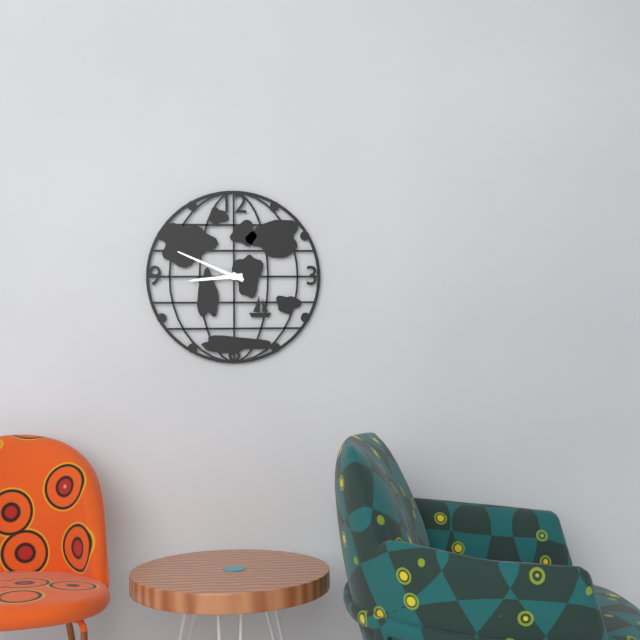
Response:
8,49
